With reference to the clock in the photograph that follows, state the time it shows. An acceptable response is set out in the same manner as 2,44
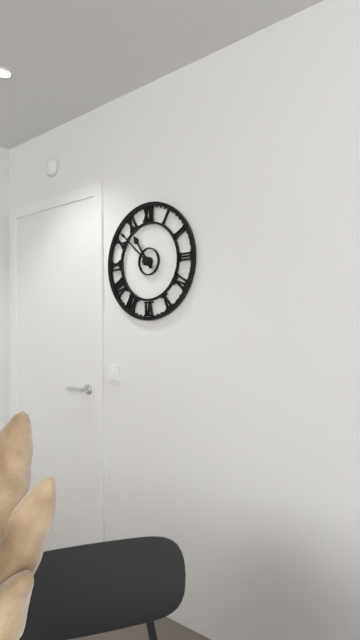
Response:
10,52
